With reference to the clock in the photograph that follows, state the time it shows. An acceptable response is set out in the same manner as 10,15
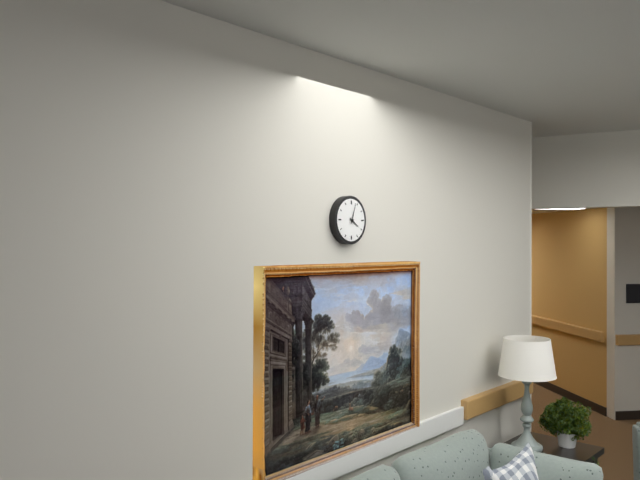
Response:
4,03
